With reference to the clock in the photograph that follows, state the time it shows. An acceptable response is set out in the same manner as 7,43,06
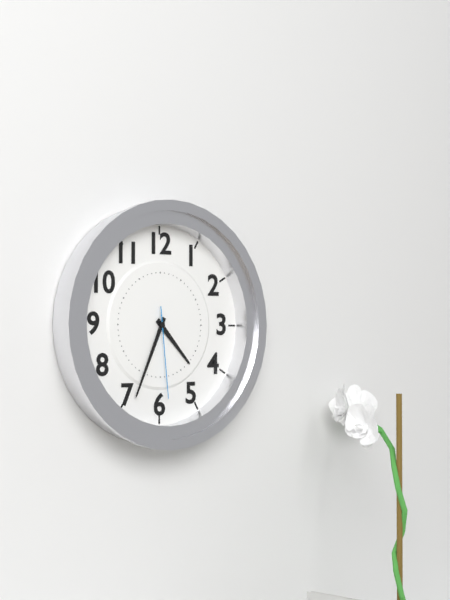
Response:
4,34,29
